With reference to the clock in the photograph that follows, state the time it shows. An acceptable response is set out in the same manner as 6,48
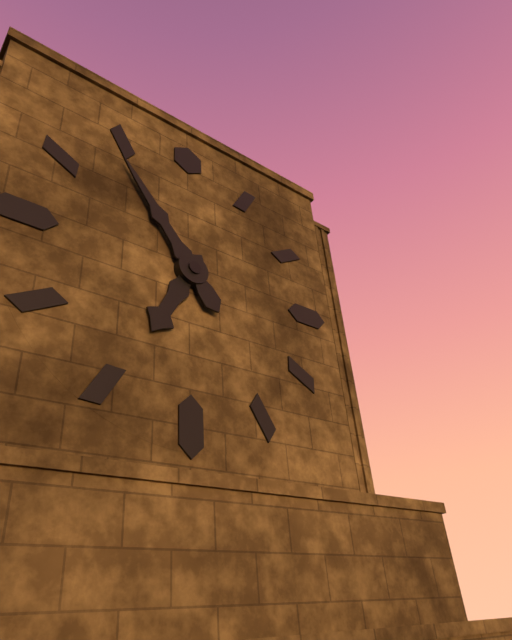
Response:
6,54
